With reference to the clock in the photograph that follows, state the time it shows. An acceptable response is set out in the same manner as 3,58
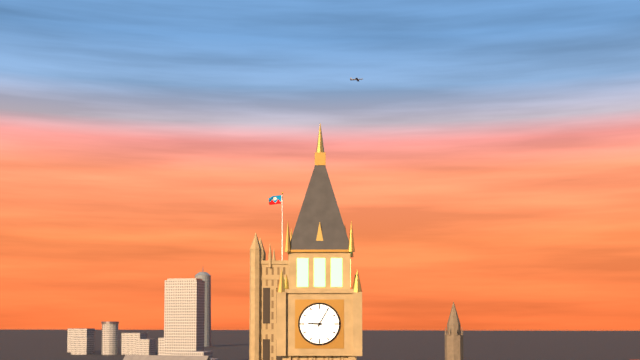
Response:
9,05
